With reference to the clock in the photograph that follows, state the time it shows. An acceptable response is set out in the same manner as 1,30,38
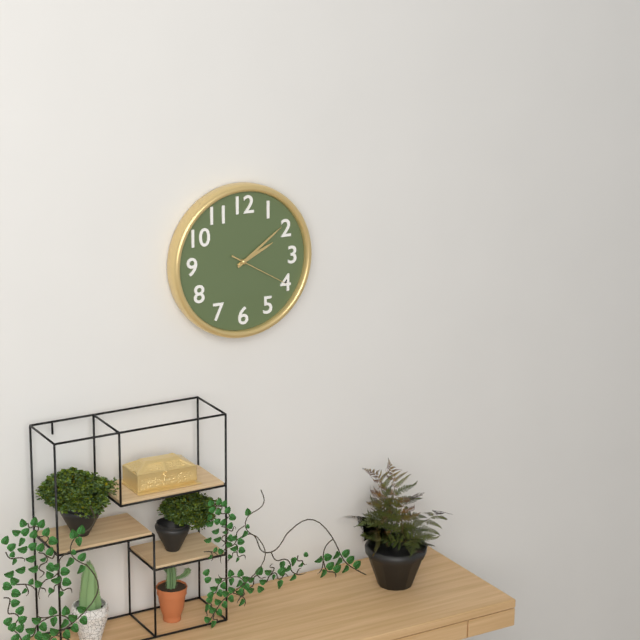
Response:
2,09,20
